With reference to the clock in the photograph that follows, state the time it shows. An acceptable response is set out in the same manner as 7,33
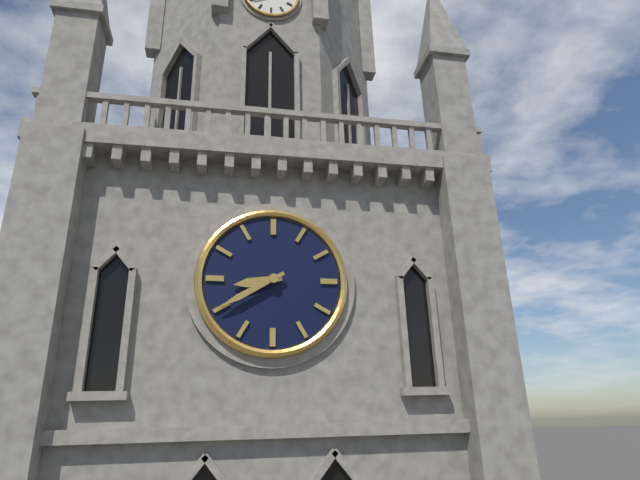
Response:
8,40
